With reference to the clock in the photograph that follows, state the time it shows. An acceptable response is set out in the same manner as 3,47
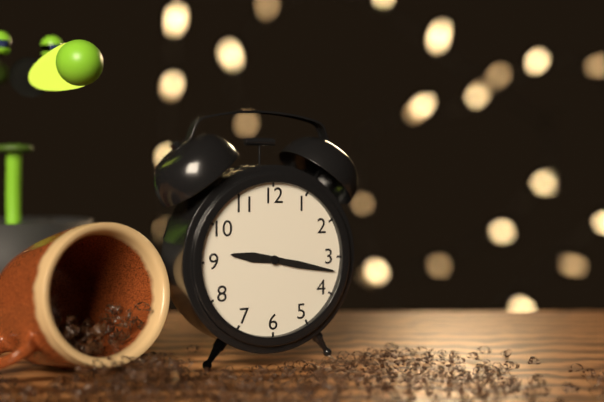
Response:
9,17
